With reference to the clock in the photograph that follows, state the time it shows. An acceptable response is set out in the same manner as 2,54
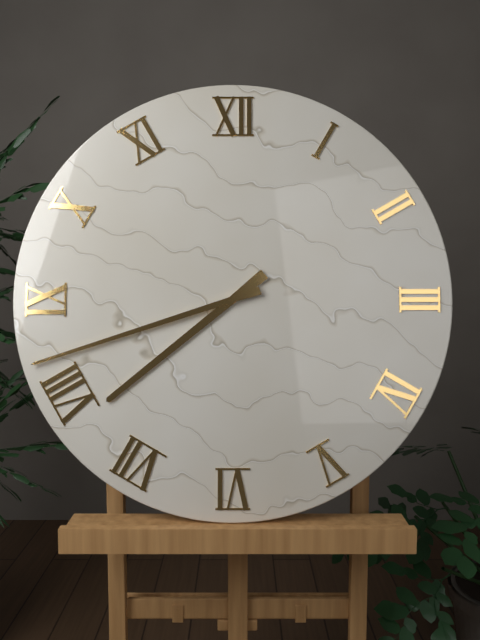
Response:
7,42
